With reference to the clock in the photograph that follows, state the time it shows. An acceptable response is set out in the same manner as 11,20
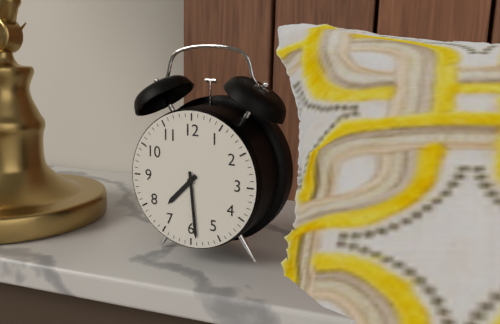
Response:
7,29
